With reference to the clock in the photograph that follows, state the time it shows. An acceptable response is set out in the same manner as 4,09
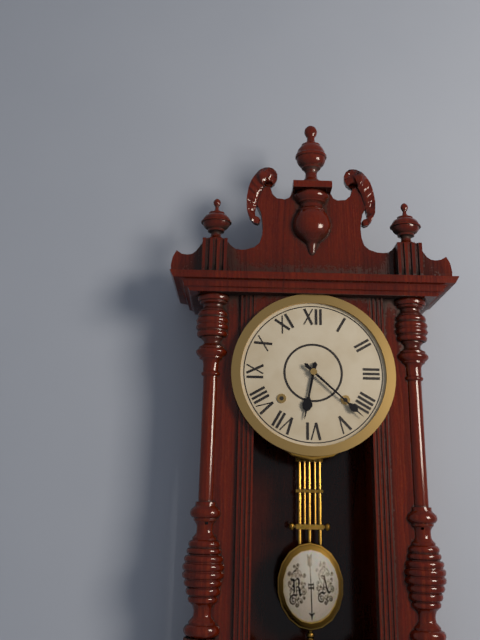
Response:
6,22
